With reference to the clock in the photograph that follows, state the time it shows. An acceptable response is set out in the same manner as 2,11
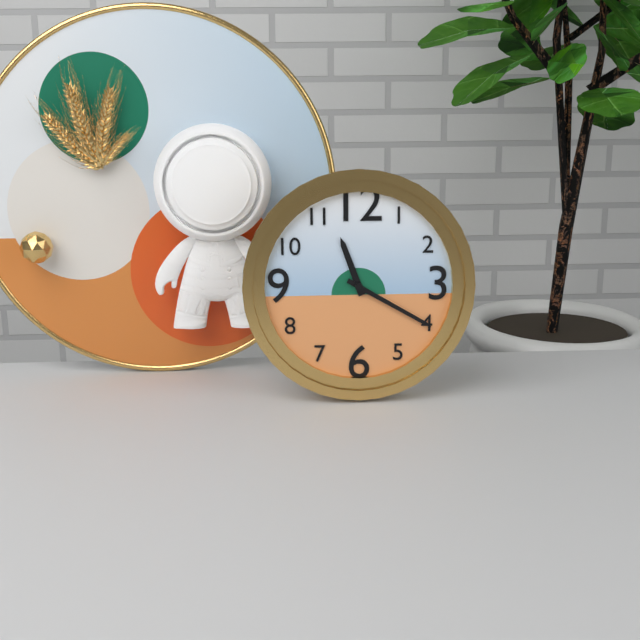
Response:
11,20
